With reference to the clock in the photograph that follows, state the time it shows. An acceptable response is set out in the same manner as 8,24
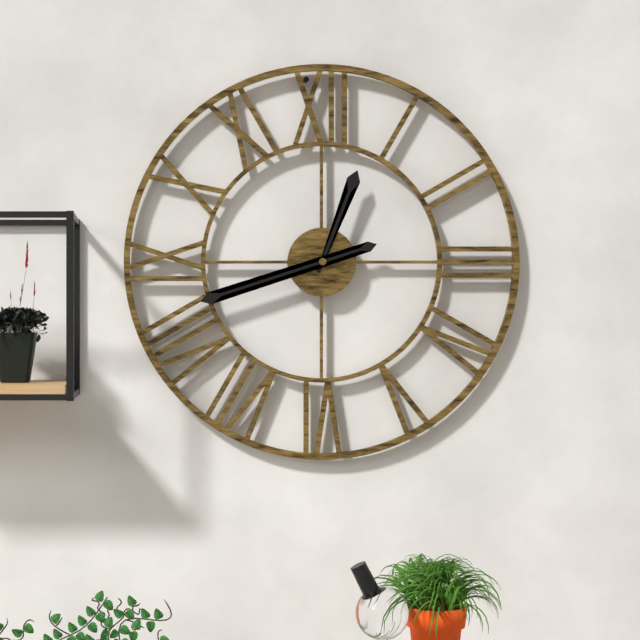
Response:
12,42
